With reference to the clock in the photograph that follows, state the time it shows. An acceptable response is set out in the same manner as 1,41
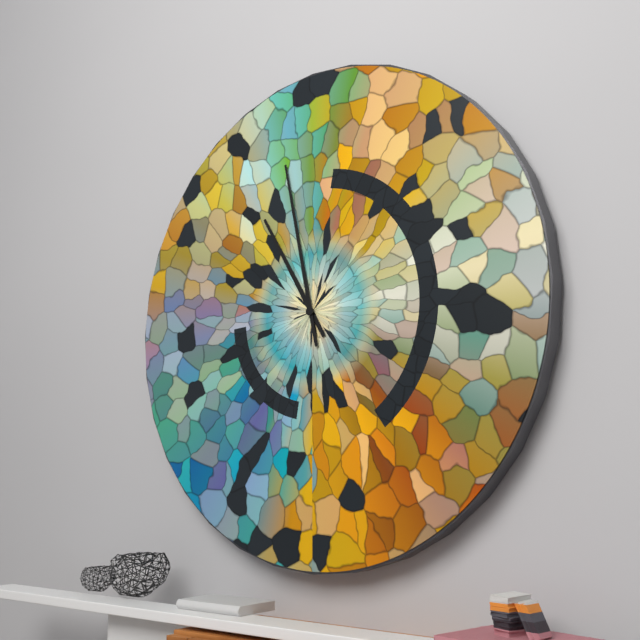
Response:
10,58
